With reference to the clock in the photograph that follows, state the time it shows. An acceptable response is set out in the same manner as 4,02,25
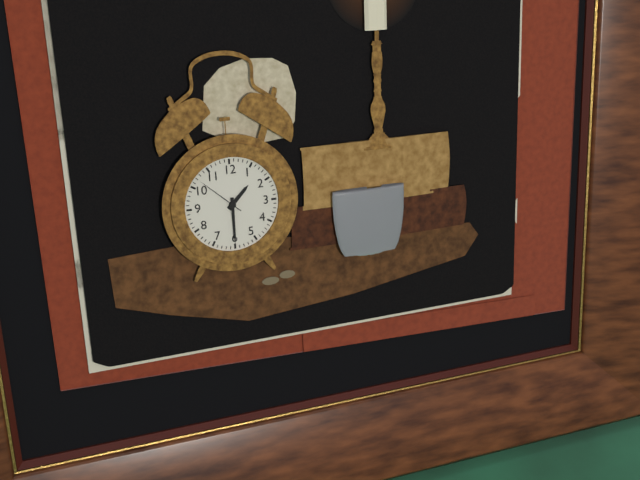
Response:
1,30,52
